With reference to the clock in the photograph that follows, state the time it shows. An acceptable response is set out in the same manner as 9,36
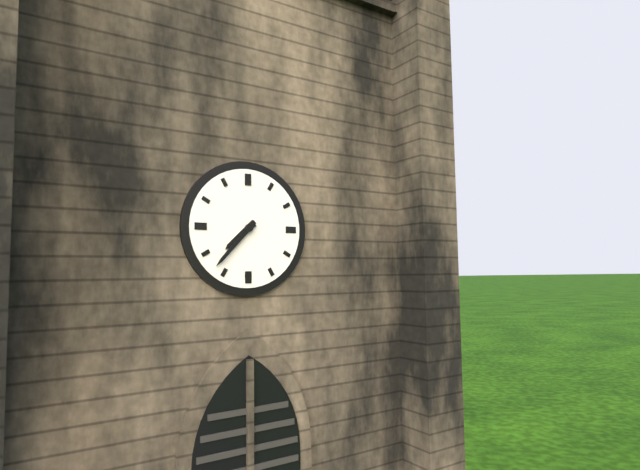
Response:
7,37
